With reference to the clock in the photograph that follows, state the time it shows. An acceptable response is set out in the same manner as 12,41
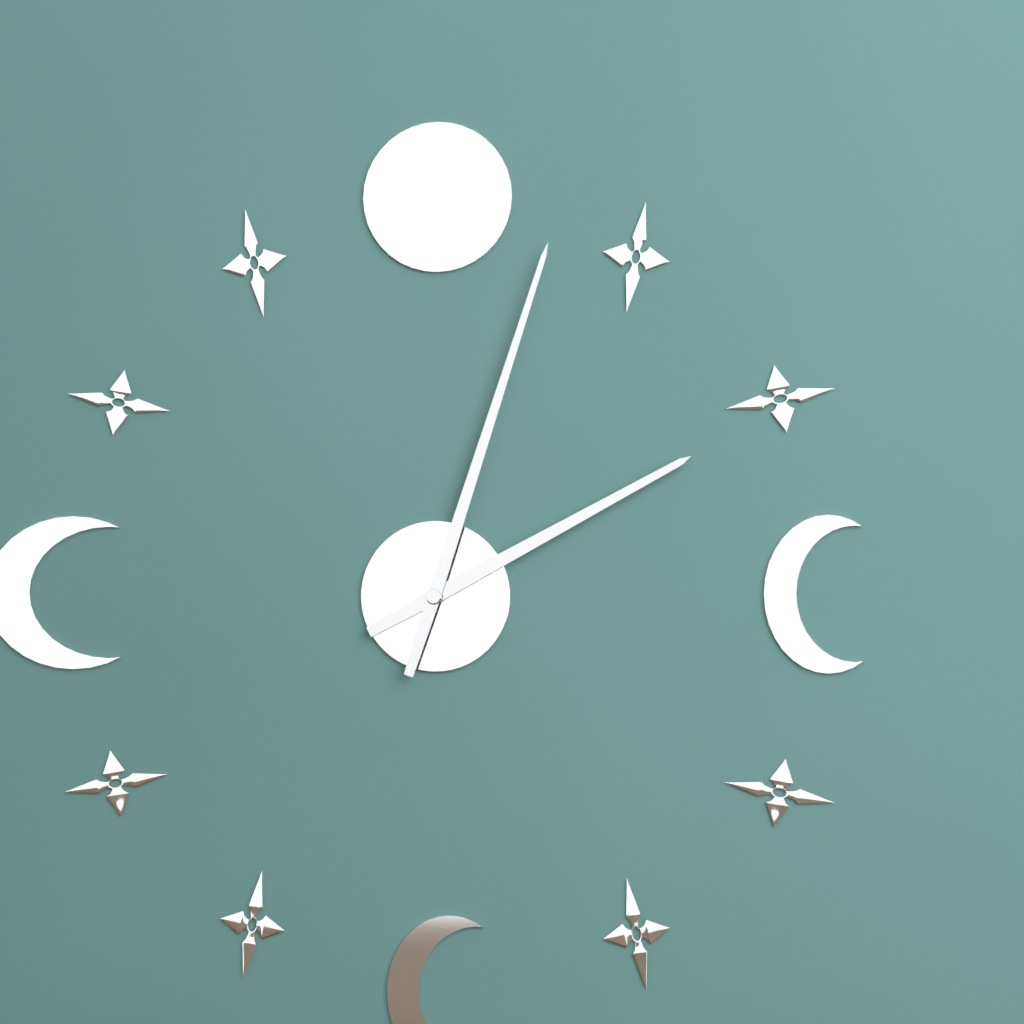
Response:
2,03
